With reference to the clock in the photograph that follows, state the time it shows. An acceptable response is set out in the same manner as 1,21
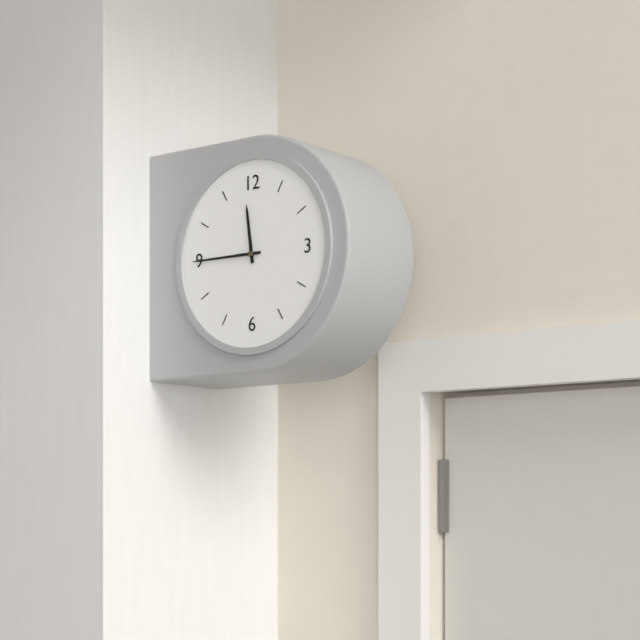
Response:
11,45
